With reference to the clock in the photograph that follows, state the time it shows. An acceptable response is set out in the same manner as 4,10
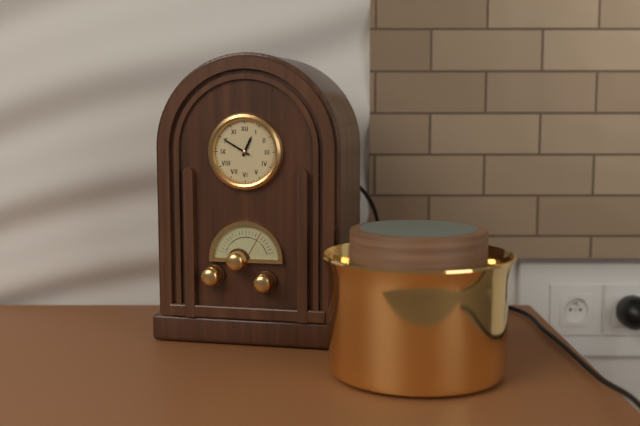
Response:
12,50
